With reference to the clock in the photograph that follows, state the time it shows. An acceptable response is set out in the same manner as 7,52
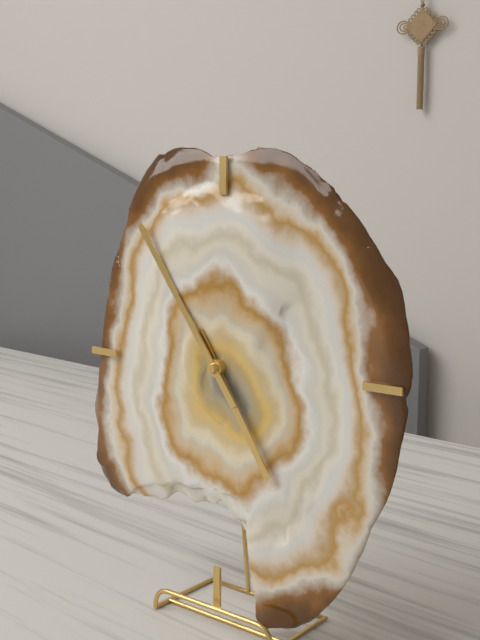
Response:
4,54
